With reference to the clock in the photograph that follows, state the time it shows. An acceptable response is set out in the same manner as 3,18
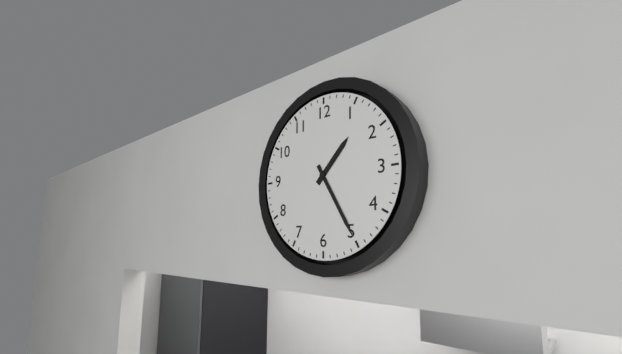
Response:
1,25
